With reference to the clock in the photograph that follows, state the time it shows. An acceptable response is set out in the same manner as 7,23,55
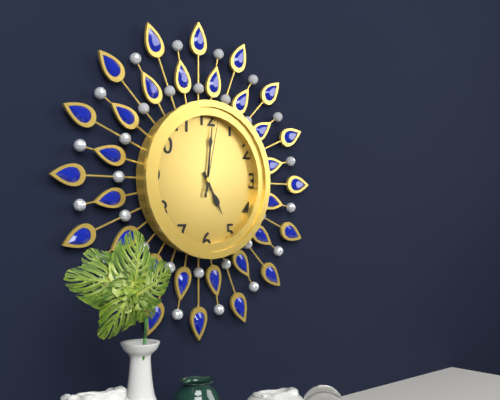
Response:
5,01,02
